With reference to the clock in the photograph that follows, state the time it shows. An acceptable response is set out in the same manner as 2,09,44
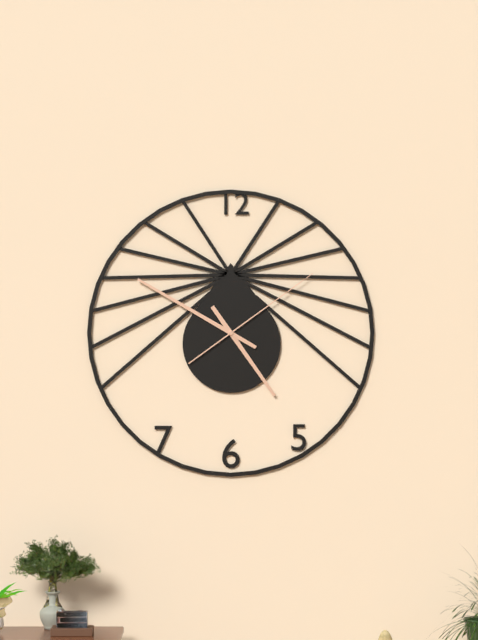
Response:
4,50,09
